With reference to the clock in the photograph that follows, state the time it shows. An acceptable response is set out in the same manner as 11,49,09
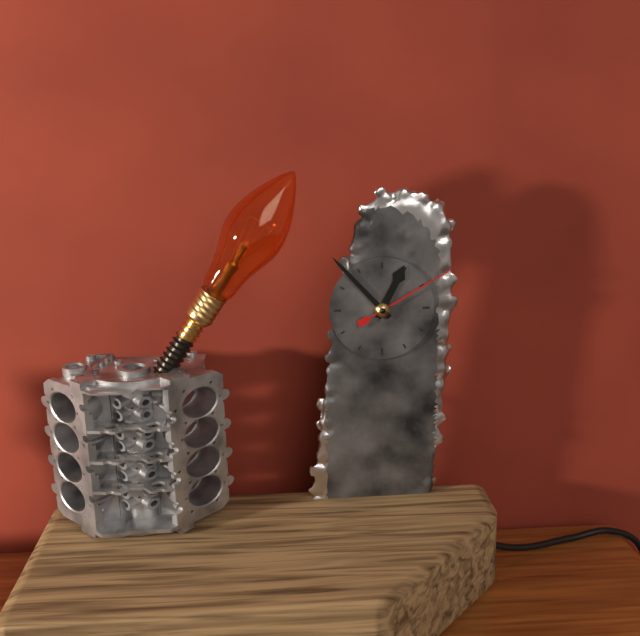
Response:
12,53,10
